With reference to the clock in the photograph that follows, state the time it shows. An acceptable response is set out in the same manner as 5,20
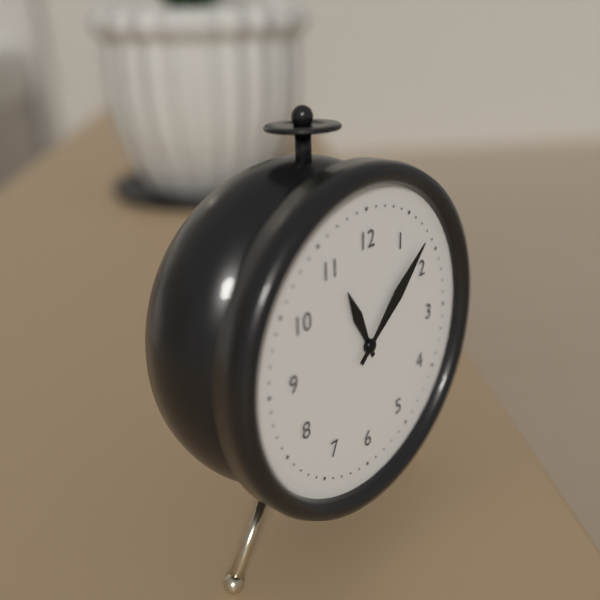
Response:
11,08
